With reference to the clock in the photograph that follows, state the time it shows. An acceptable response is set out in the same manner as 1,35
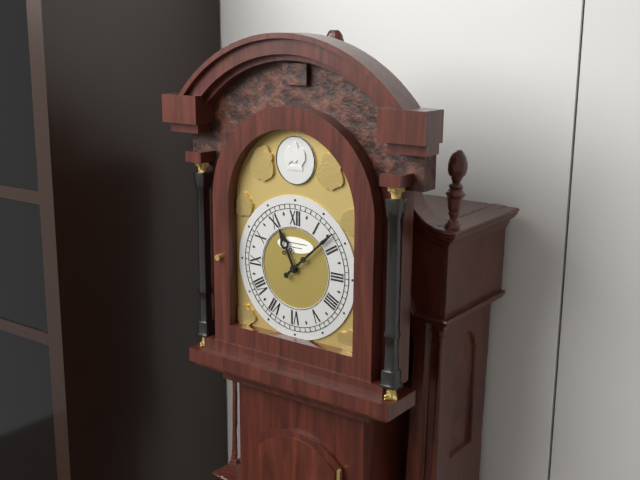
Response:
11,08
